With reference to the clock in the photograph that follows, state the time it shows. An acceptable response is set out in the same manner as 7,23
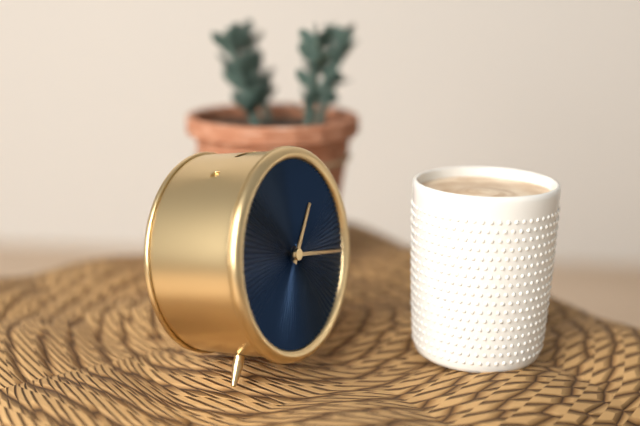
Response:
1,17
